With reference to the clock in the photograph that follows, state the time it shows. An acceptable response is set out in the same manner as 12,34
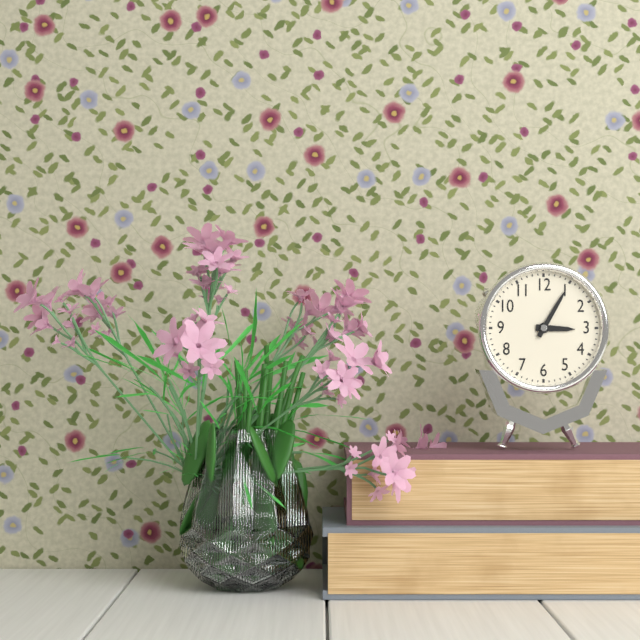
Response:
3,05
